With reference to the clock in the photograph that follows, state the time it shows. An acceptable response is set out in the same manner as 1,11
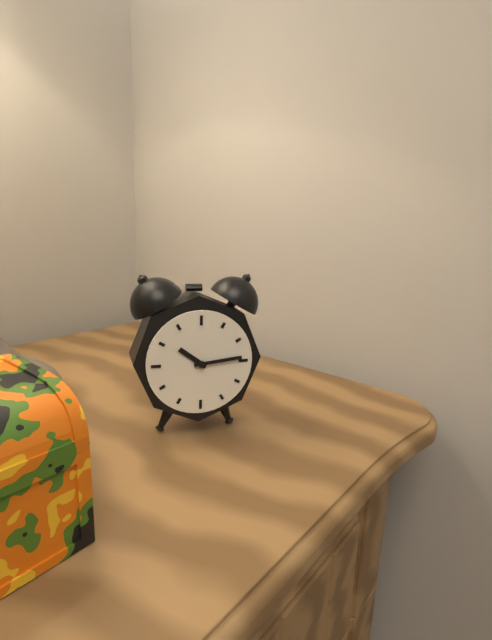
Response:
10,14
